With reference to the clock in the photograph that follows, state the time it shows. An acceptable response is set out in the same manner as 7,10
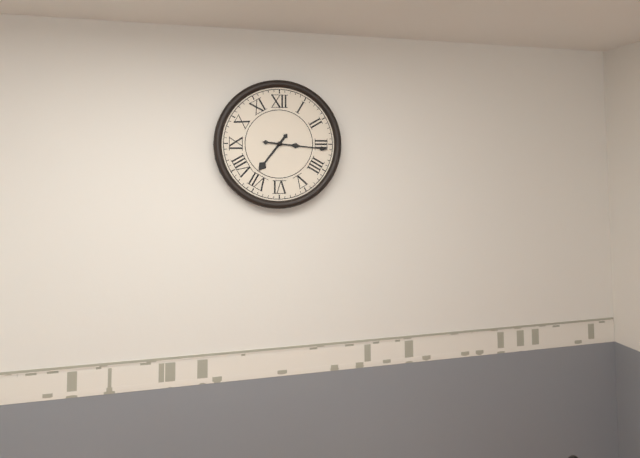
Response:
7,16
